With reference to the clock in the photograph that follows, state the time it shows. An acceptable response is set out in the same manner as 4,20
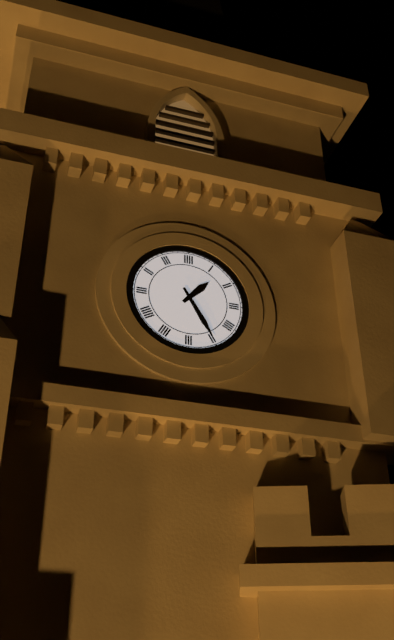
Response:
1,25
